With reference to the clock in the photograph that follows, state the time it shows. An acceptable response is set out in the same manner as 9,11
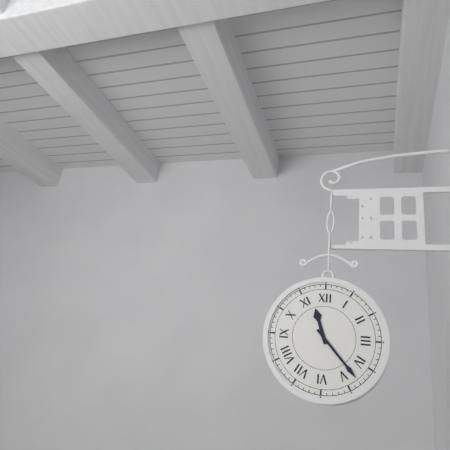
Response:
11,23
